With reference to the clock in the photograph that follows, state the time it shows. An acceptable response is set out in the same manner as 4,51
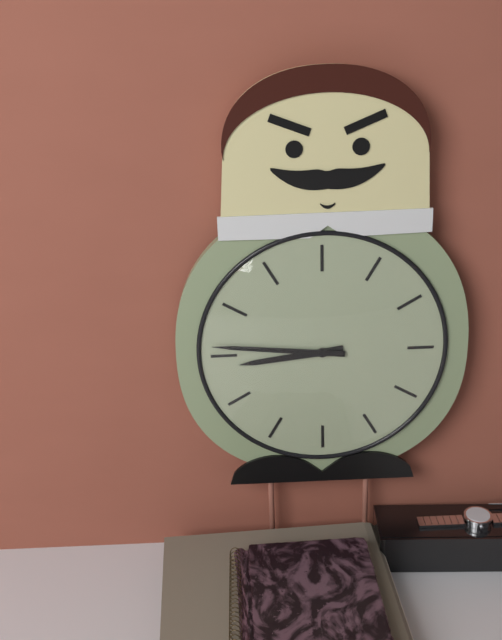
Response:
8,46
